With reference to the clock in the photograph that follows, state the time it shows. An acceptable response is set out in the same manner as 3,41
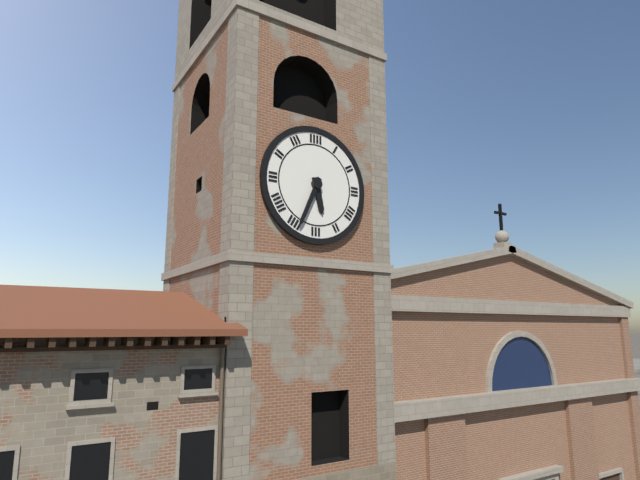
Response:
5,34
